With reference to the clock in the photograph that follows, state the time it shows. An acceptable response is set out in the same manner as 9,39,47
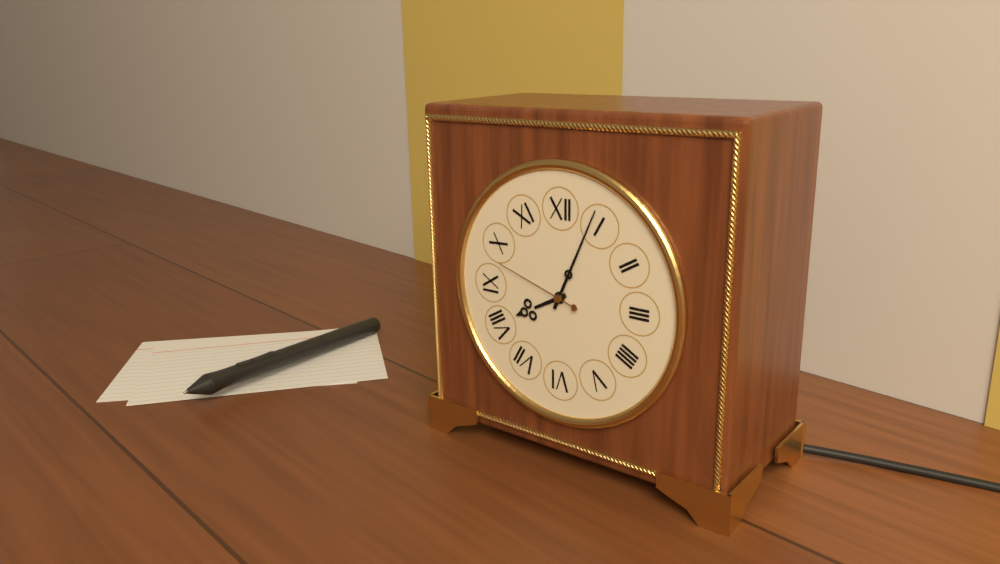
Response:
8,04,48
